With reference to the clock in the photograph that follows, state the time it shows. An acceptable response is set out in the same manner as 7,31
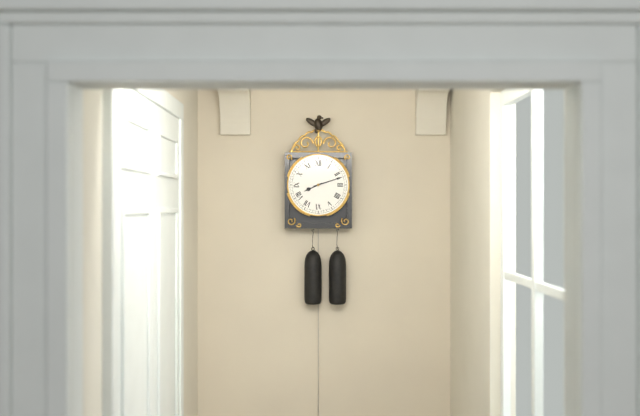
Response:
8,12
